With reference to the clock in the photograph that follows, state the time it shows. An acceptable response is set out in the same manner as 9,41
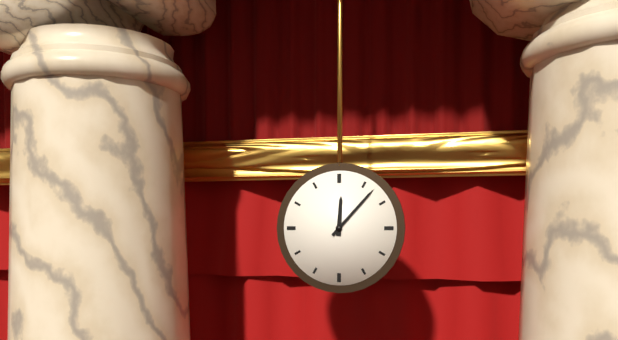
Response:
12,07
